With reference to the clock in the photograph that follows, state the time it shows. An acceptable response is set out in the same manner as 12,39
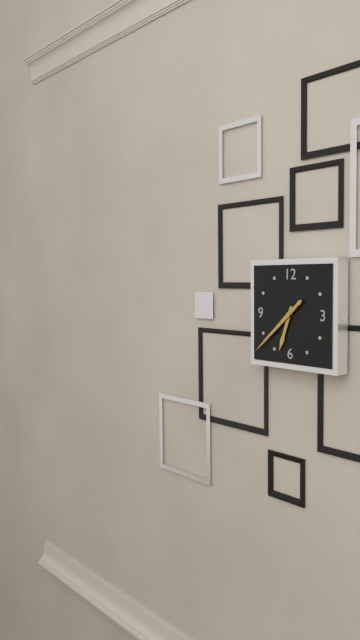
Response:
6,38
